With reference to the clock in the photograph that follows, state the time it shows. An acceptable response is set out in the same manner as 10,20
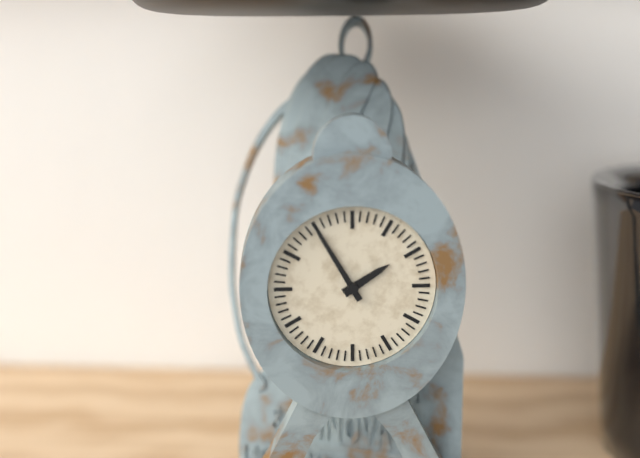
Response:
1,55
